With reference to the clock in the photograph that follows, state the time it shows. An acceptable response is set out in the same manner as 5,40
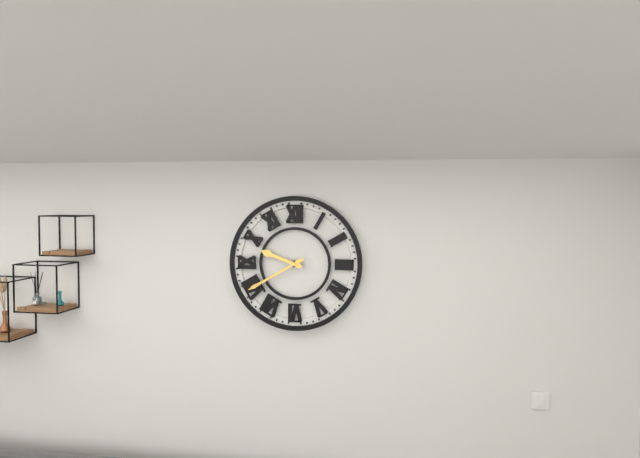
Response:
9,40
